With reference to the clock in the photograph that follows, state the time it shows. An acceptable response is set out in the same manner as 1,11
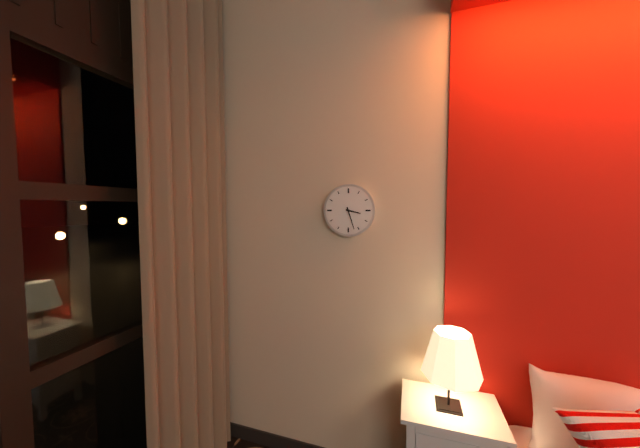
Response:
3,27
